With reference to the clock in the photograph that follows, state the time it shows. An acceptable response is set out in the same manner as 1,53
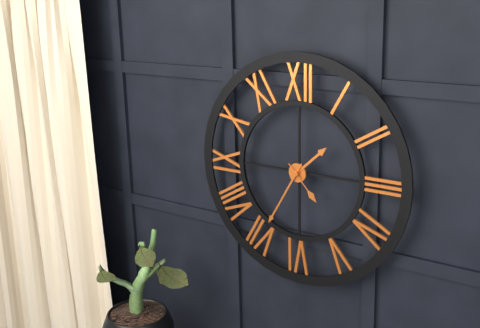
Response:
1,35
